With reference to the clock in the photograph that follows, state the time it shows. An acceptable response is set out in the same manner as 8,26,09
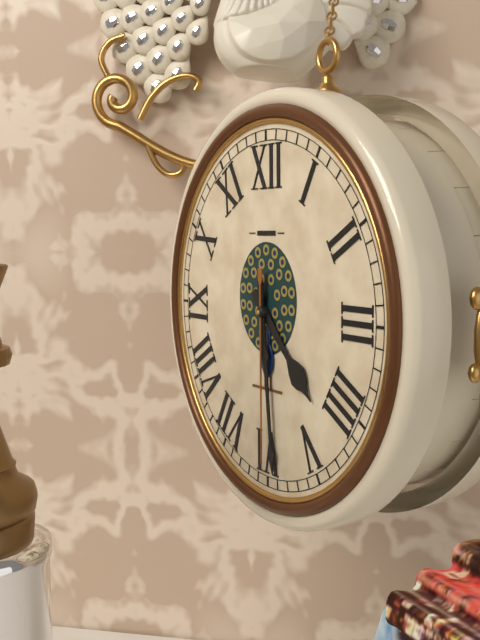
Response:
4,29,30
